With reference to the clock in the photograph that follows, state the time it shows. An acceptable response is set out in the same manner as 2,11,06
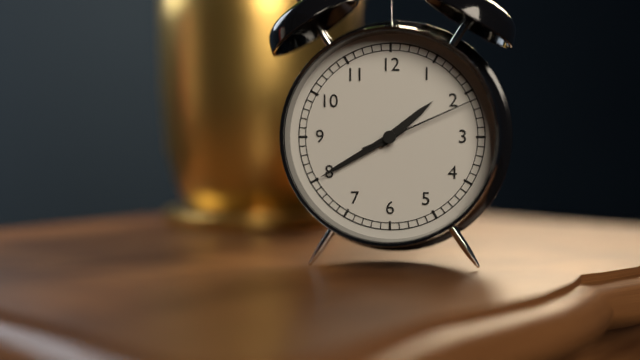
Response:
1,40,11
